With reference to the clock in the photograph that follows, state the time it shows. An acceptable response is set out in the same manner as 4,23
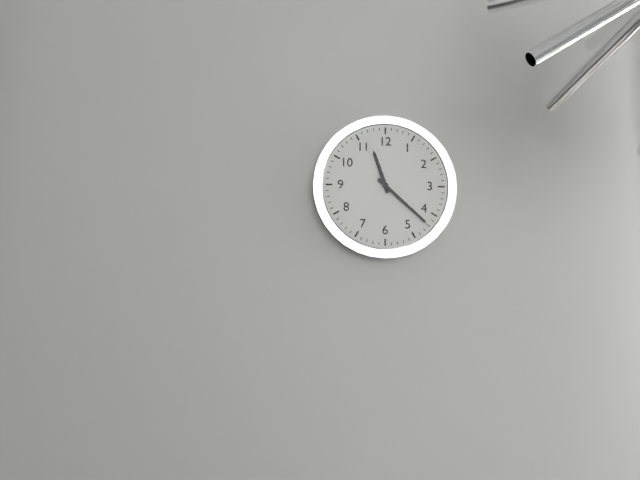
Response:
11,22
